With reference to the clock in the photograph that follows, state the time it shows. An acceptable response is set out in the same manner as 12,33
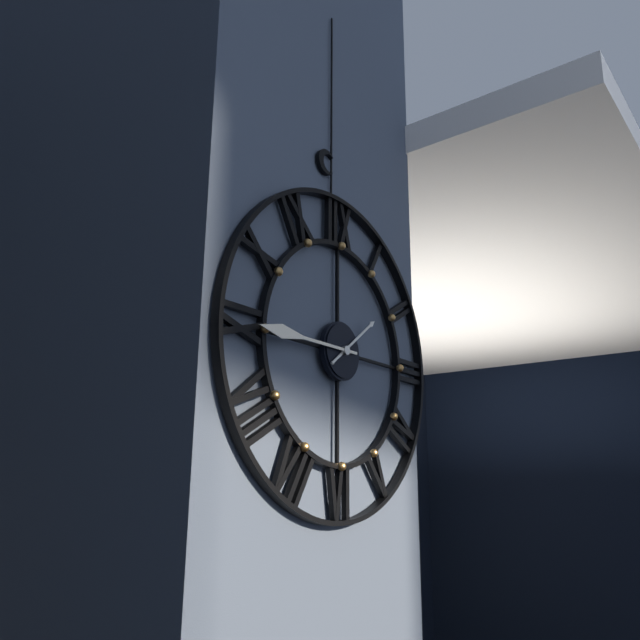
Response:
1,45
